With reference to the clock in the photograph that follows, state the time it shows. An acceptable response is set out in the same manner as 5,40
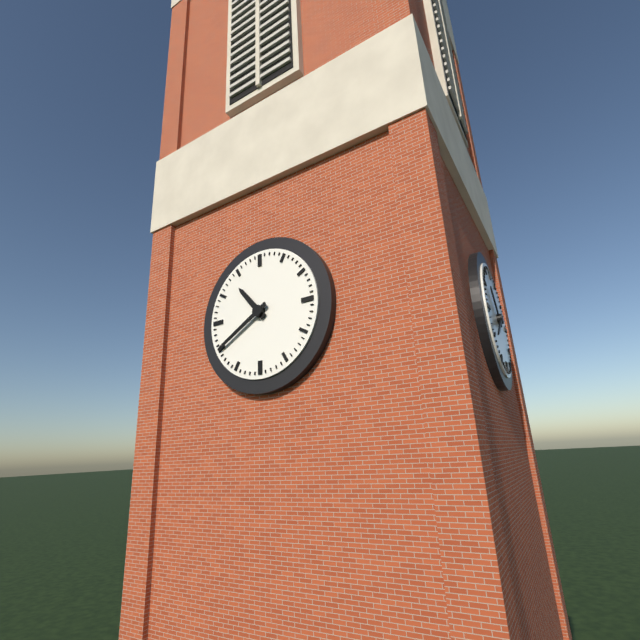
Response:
10,40
